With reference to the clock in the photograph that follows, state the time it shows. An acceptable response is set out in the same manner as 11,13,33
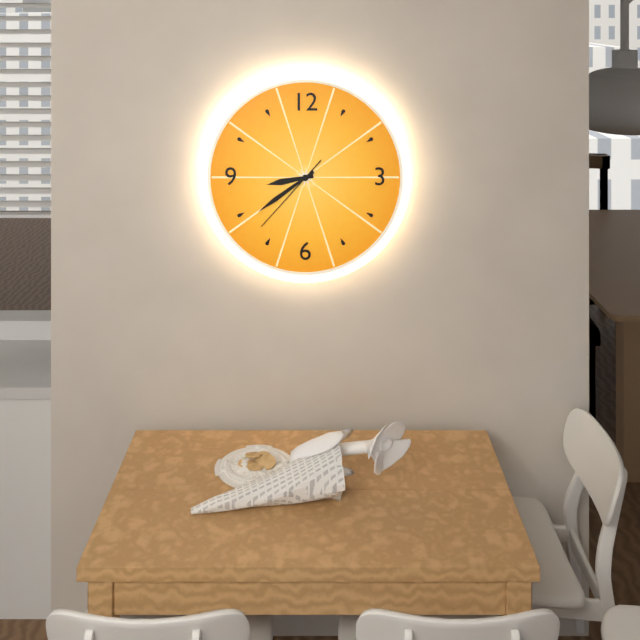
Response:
8,39,37
